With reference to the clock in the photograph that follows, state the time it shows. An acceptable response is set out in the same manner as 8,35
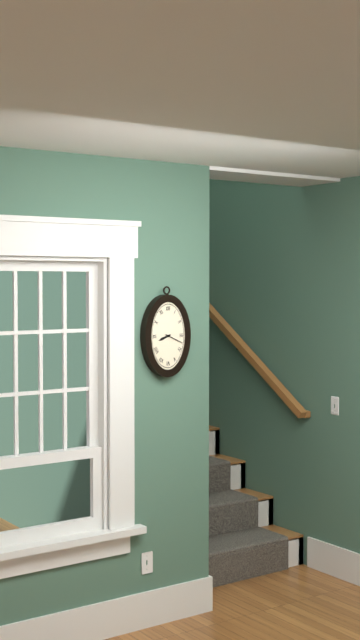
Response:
8,19
